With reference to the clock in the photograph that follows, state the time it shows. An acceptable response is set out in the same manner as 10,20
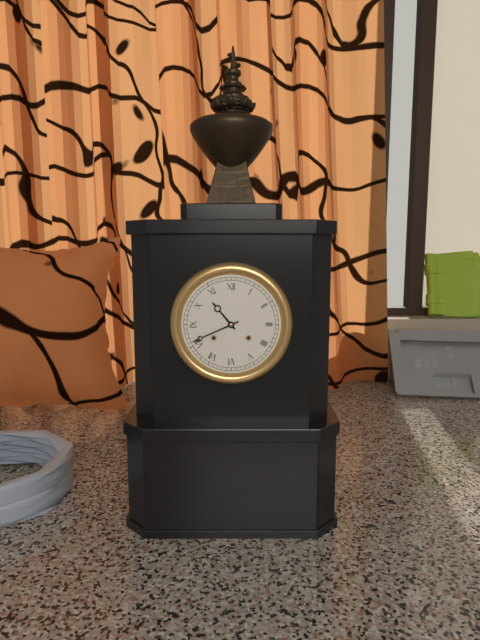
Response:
10,41
